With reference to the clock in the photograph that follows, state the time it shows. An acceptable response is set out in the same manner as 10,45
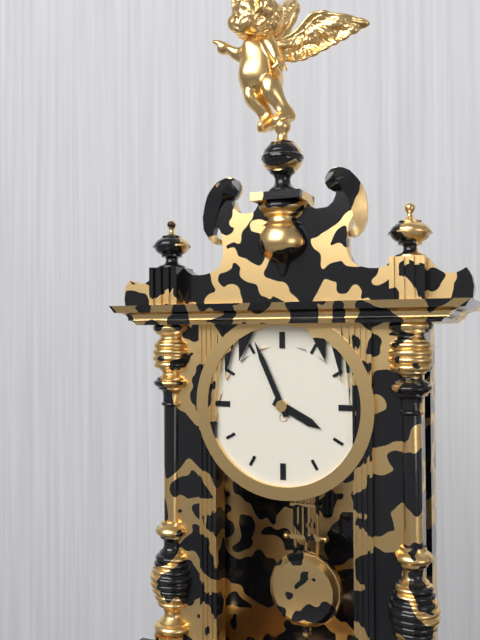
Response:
3,56
